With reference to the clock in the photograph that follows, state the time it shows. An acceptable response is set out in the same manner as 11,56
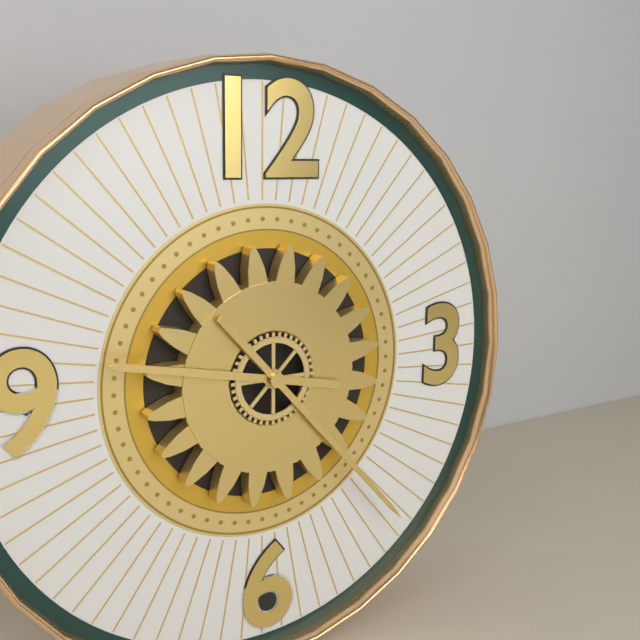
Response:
9,23
